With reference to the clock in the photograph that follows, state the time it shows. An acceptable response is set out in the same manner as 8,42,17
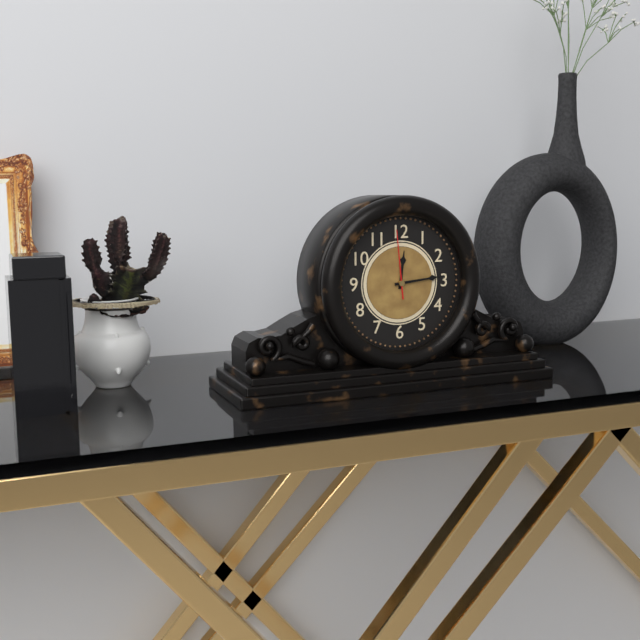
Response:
12,14,59
